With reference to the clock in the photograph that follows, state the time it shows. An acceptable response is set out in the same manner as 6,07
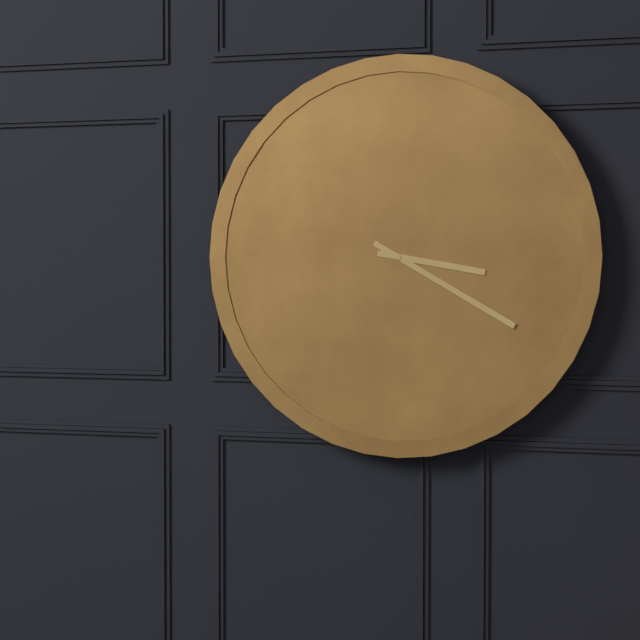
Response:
3,20
